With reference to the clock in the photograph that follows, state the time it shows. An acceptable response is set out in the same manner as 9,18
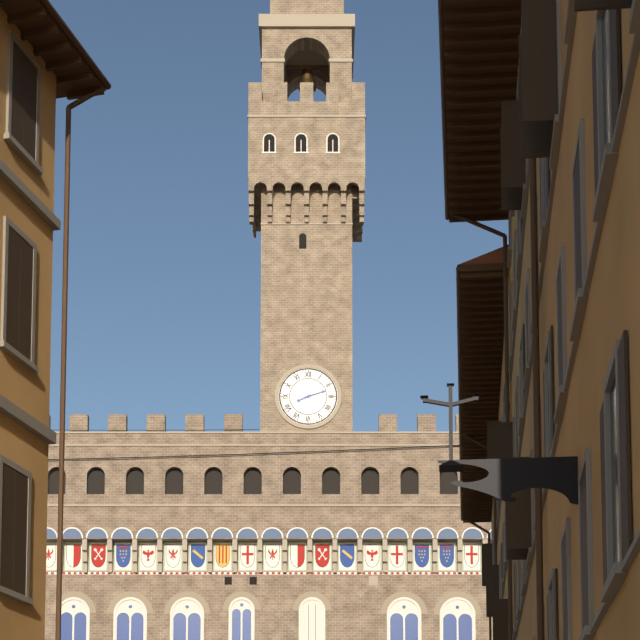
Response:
8,12
